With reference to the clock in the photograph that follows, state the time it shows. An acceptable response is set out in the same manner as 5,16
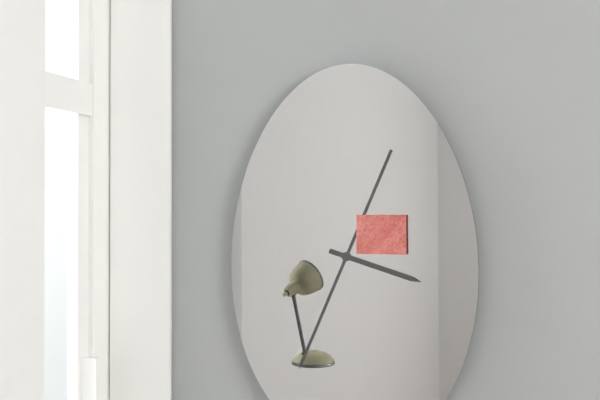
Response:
3,34
